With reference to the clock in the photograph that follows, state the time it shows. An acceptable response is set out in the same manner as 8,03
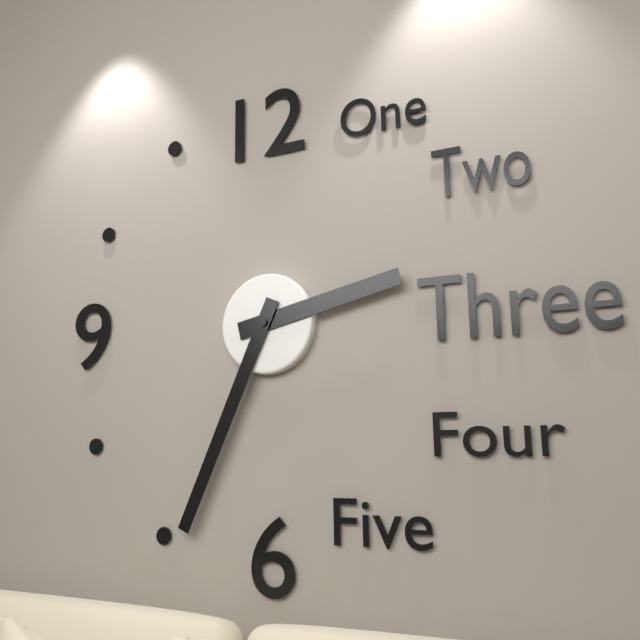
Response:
2,34
